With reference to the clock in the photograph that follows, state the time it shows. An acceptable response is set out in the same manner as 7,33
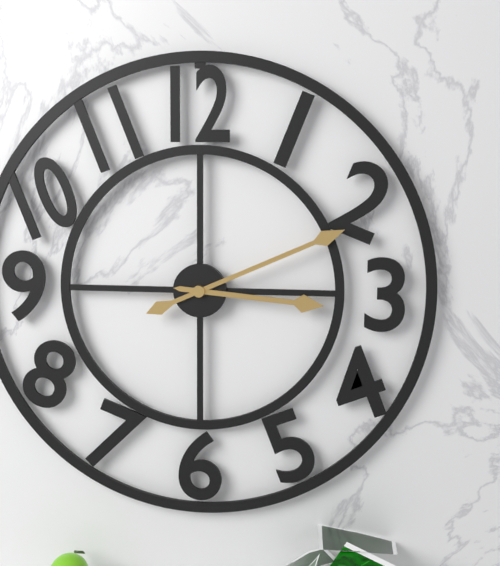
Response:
3,11
